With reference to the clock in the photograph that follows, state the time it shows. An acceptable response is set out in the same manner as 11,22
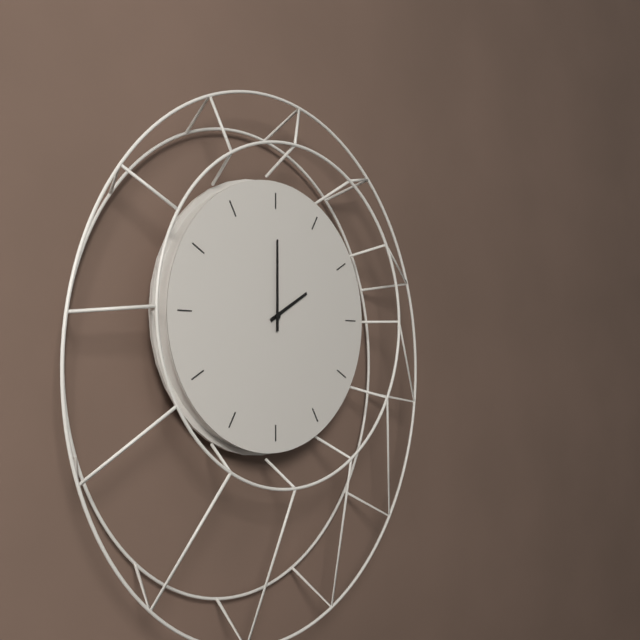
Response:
2,00
